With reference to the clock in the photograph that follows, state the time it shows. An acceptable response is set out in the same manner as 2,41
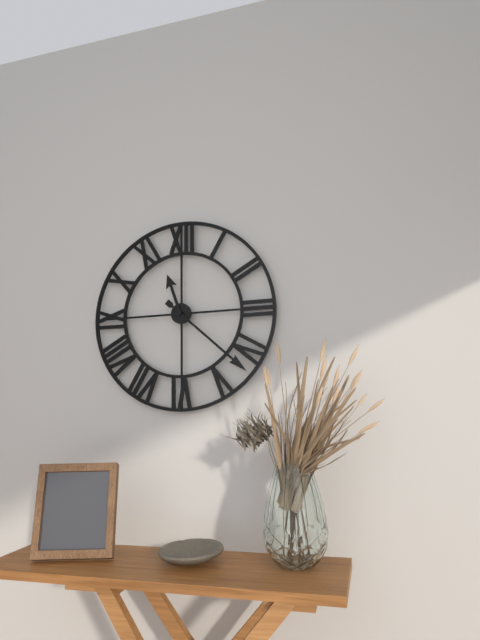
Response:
11,22
